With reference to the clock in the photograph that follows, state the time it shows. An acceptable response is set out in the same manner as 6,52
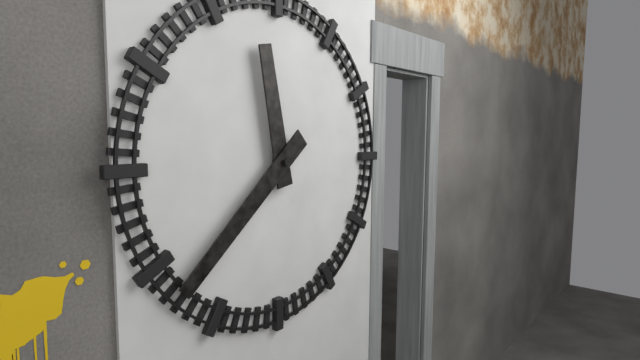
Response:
11,38
